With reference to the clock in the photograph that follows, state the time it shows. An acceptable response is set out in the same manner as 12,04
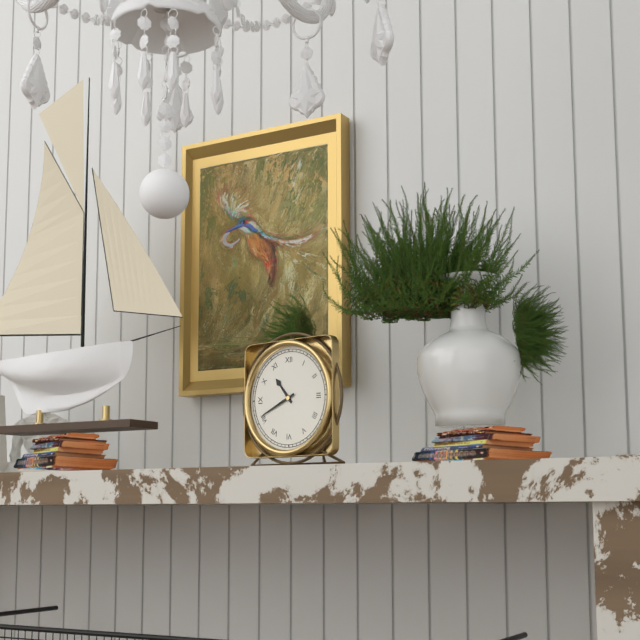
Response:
10,41
